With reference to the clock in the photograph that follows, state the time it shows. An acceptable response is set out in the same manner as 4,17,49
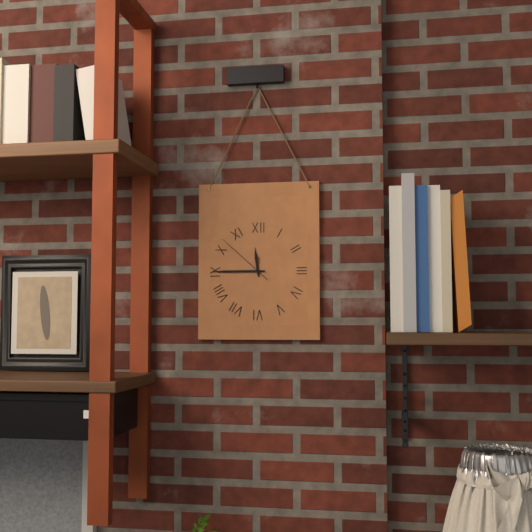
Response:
11,45,52
